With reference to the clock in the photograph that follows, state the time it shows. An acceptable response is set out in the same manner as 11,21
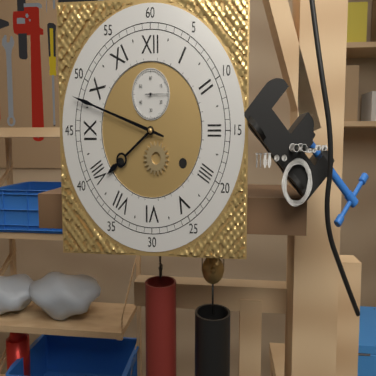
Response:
7,48
